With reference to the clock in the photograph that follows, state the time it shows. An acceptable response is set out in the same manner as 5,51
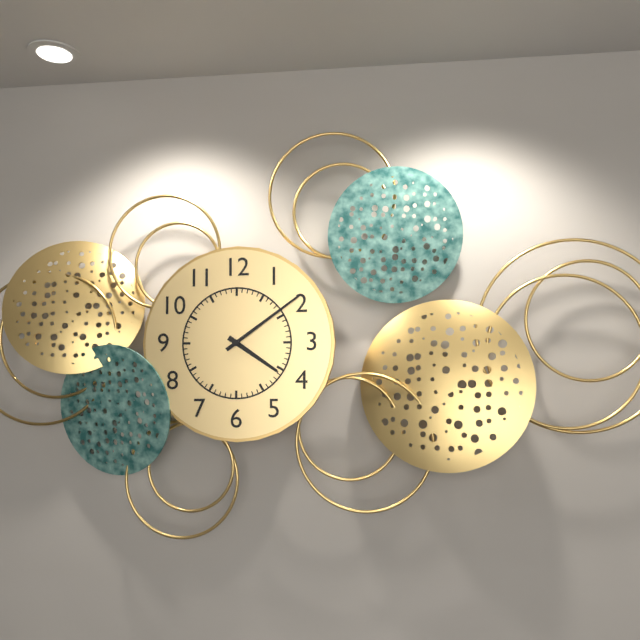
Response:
4,09
